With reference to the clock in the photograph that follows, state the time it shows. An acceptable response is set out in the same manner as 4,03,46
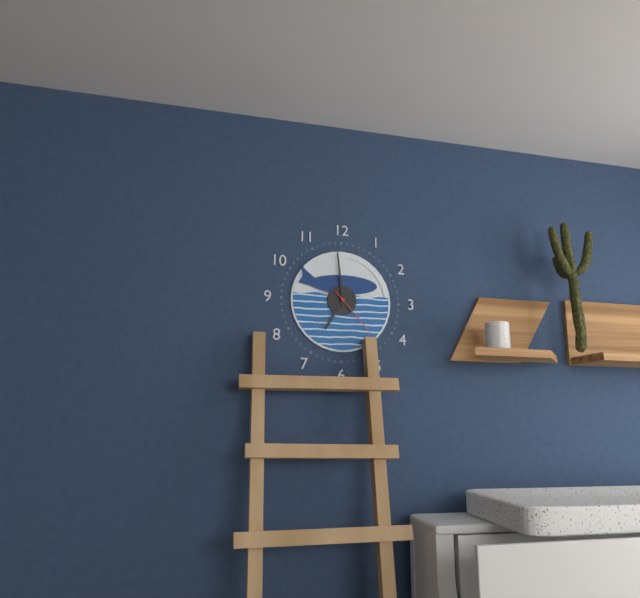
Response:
6,59,23
